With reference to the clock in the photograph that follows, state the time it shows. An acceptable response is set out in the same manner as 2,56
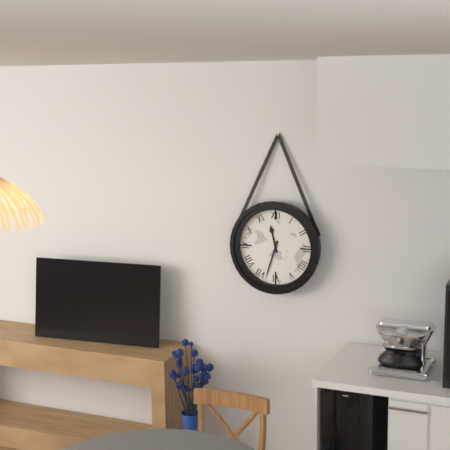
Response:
11,33
